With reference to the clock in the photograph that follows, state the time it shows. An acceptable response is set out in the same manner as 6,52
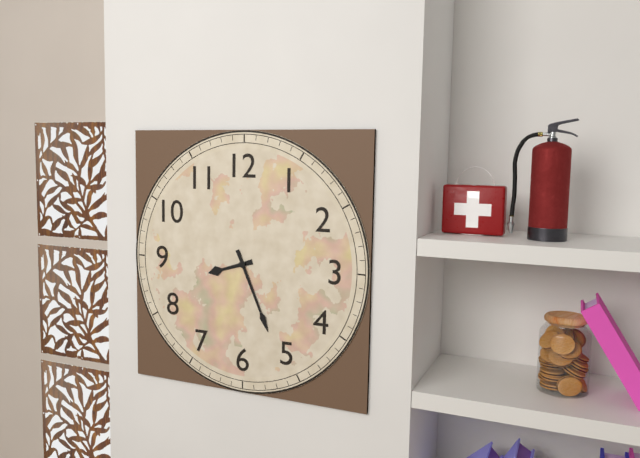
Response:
8,26
